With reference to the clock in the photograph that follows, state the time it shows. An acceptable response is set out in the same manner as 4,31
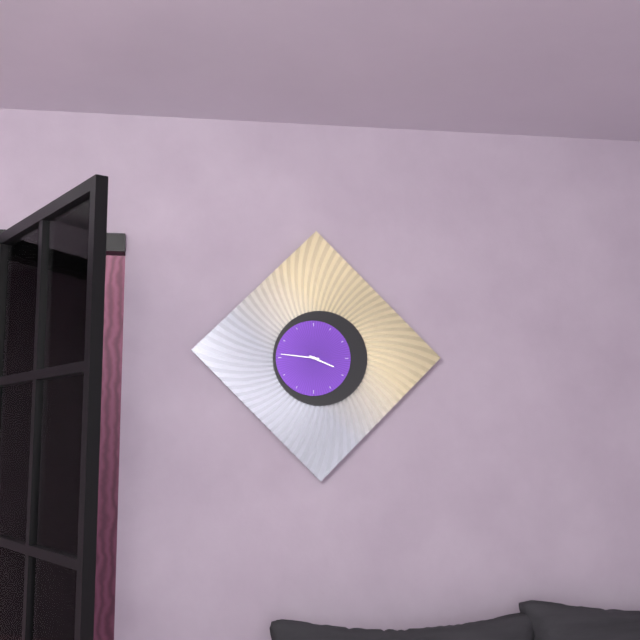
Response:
3,46
